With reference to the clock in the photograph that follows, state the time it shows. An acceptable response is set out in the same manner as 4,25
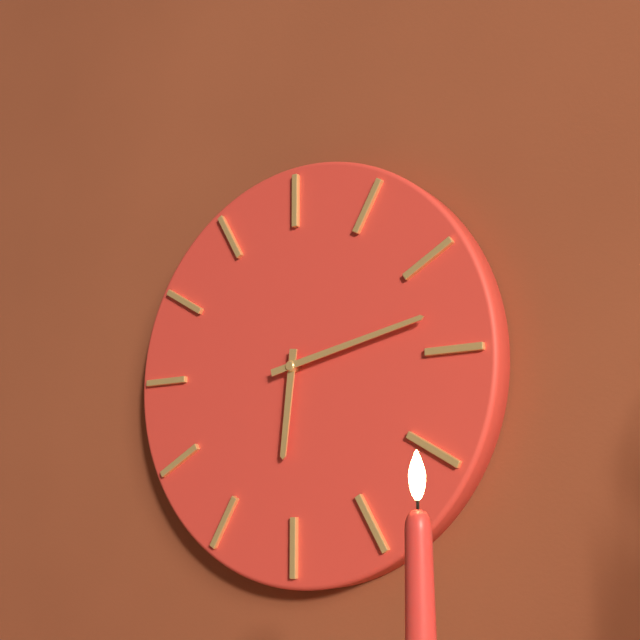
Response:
6,13
